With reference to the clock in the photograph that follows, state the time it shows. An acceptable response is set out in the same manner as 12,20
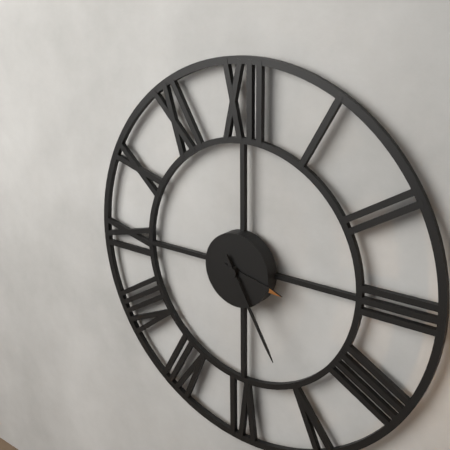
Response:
3,25
